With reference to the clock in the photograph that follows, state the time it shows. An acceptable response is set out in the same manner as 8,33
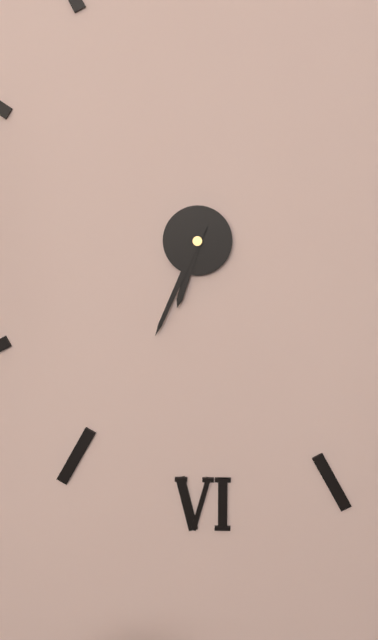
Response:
6,34
